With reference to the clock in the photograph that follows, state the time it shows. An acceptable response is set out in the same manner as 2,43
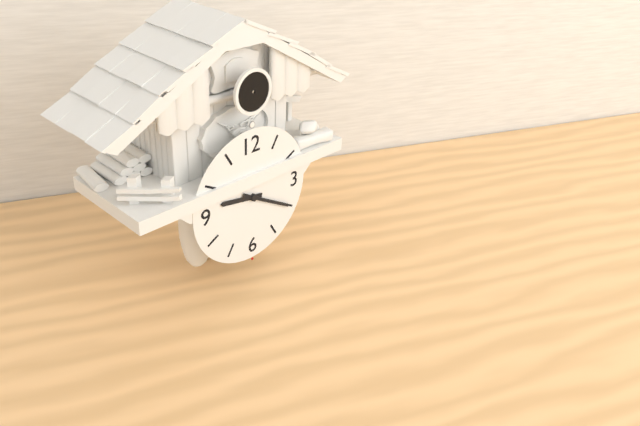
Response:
9,20
